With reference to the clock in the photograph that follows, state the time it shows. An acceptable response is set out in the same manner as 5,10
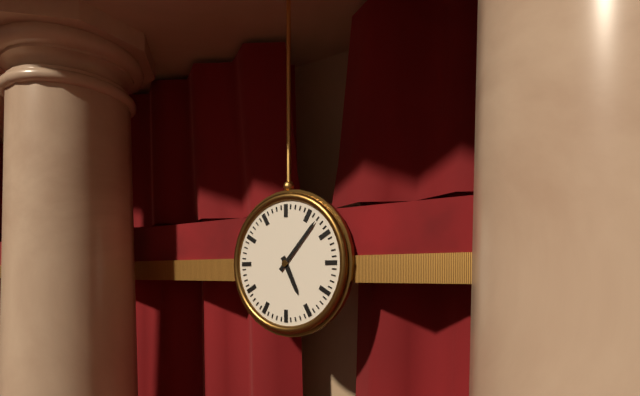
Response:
5,07
